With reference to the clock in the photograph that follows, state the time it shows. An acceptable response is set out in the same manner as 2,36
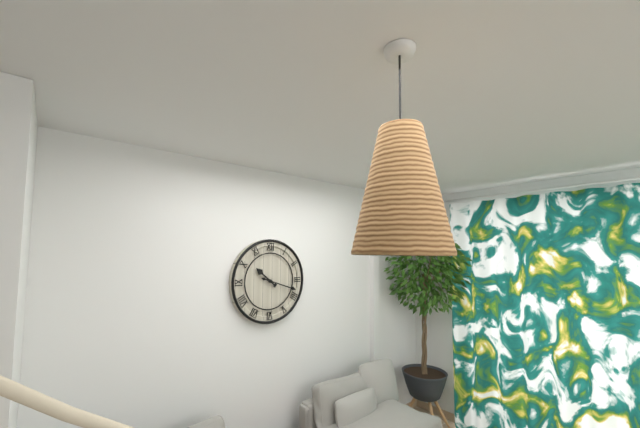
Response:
10,18
